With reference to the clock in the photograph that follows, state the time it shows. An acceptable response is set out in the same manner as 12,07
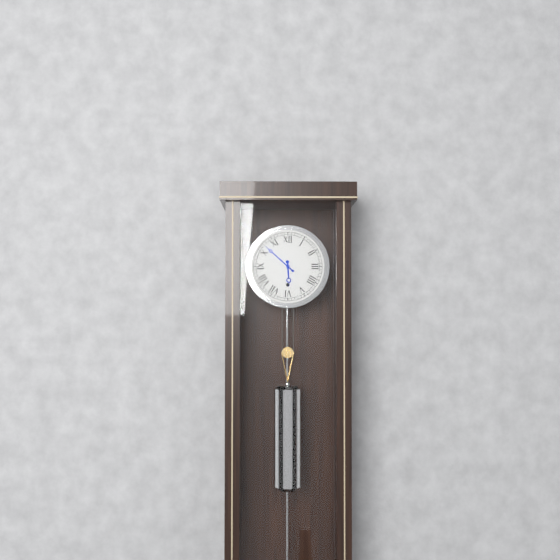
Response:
5,52
